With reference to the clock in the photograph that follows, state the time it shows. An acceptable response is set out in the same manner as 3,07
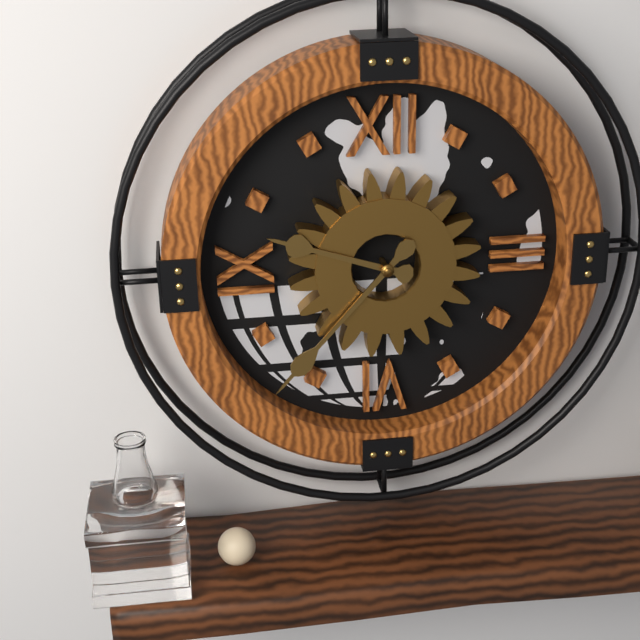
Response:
9,37
